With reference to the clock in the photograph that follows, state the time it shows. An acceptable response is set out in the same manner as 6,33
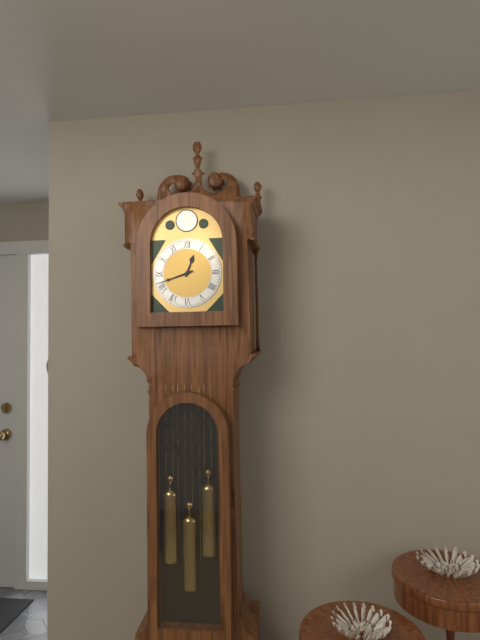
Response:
12,42
